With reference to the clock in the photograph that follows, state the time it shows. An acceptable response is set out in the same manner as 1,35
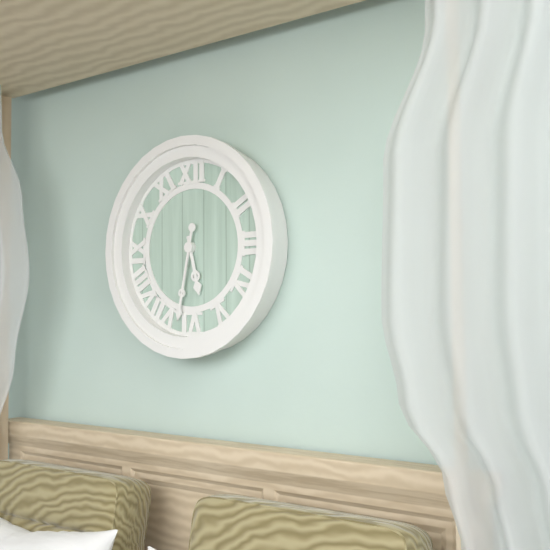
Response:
5,32
